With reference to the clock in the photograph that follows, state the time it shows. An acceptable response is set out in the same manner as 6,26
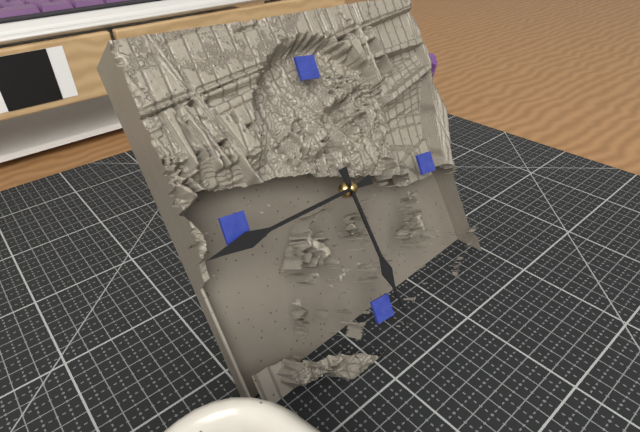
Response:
5,44
